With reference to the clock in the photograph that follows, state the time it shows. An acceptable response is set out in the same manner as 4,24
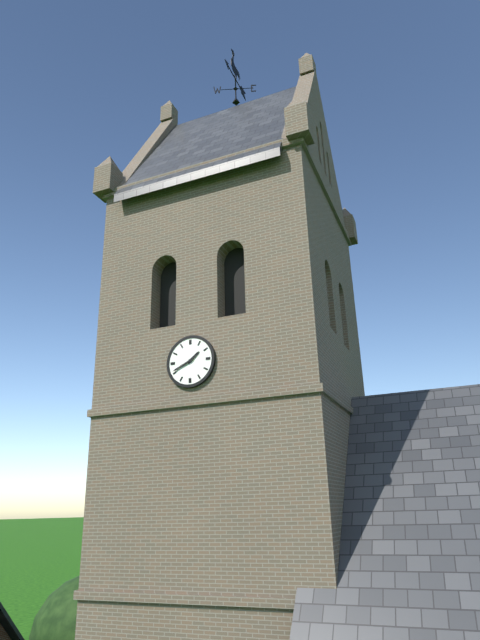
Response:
1,41
